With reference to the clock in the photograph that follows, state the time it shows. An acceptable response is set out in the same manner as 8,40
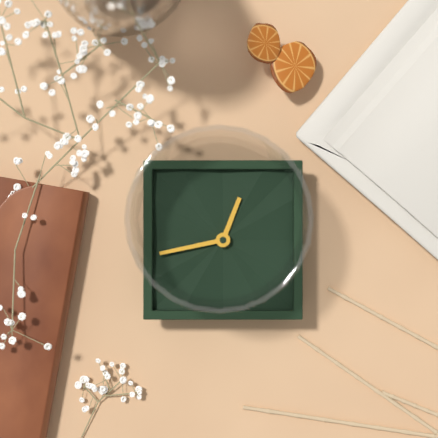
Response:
12,43
